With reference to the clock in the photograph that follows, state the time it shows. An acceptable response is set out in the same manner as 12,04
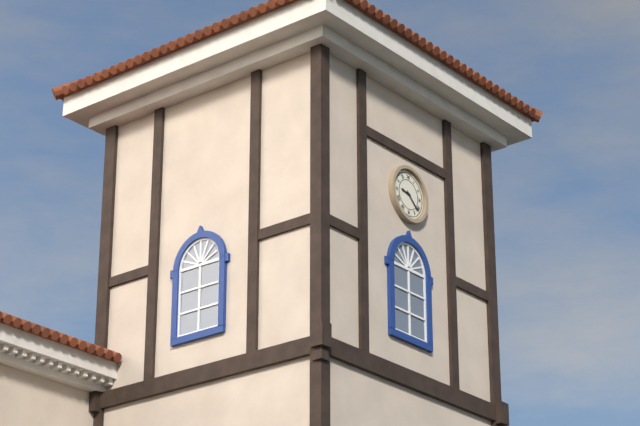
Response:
9,22
